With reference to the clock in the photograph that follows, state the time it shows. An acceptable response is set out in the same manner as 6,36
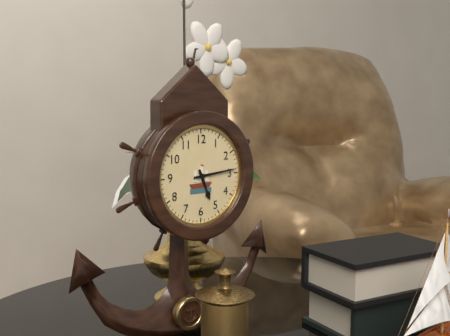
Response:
5,14
